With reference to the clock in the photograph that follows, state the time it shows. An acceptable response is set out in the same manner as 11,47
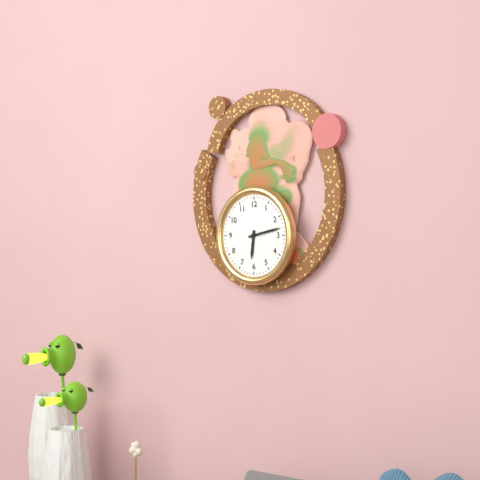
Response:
6,13
